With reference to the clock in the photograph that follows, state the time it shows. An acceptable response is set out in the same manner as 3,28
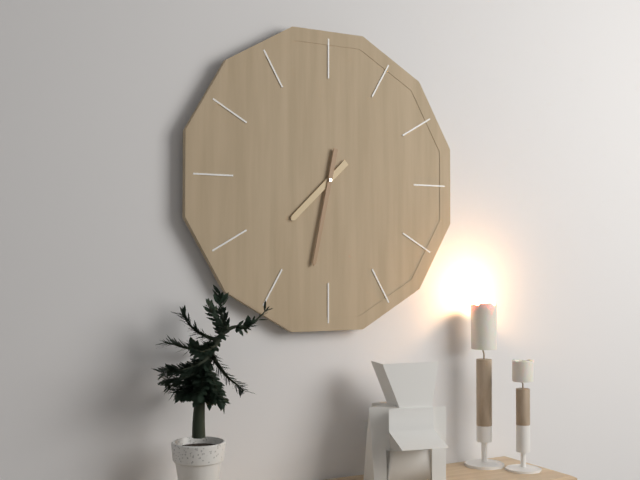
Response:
7,32
